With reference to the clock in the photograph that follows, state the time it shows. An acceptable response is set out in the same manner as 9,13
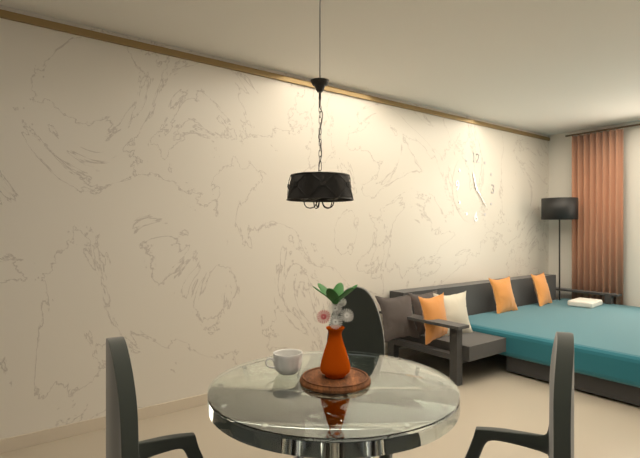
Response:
11,23
